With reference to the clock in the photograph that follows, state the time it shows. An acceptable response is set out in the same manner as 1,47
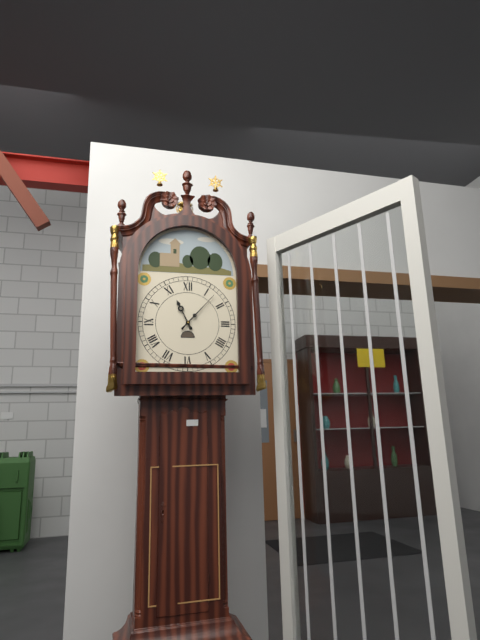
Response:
11,07
